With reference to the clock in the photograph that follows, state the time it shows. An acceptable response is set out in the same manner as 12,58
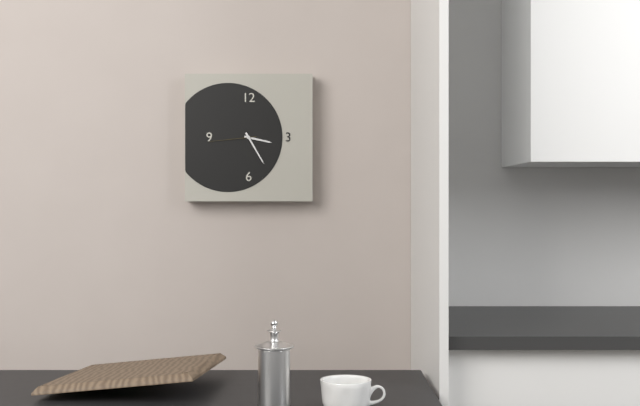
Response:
3,25
